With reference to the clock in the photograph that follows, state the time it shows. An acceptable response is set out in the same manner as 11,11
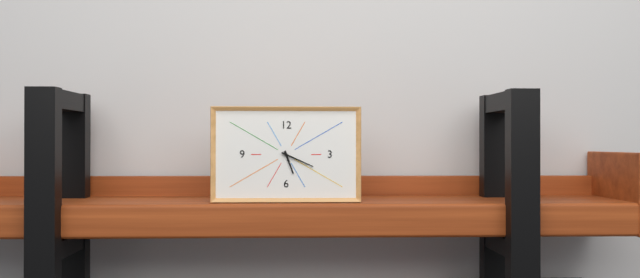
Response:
5,19
